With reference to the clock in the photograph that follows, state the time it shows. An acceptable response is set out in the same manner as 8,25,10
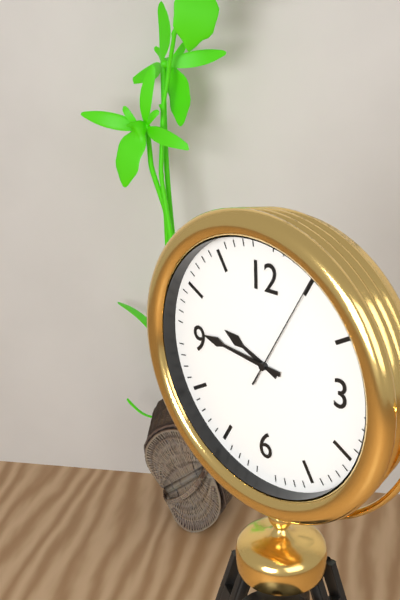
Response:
9,46,05
